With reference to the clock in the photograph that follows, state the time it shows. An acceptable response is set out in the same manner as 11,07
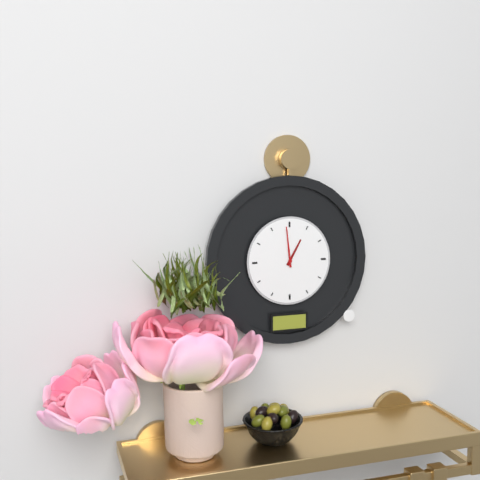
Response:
12,59
